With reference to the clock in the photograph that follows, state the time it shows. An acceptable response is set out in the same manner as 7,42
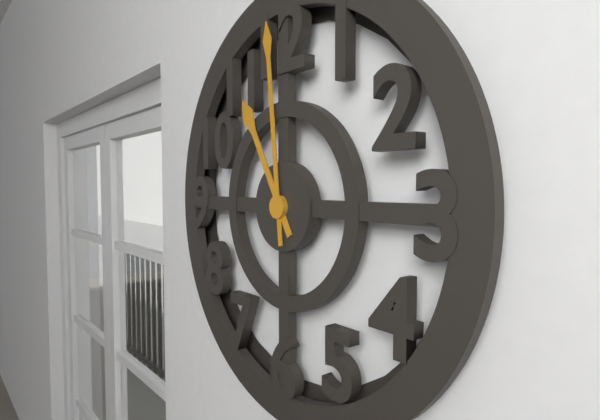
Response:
10,59
